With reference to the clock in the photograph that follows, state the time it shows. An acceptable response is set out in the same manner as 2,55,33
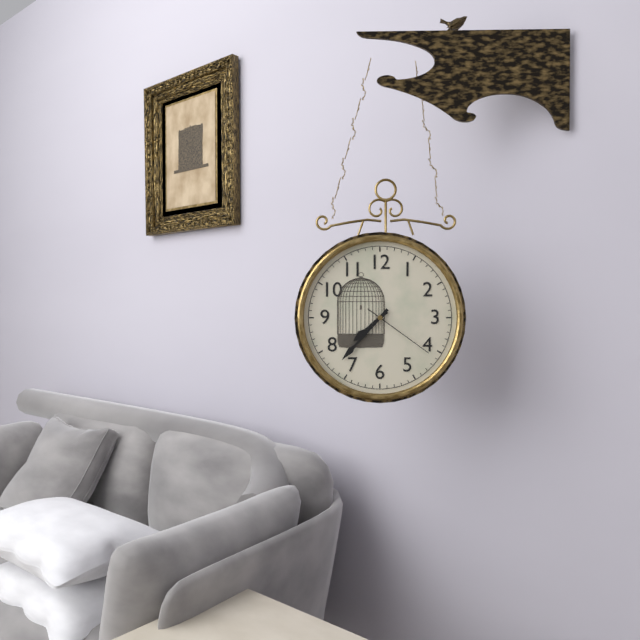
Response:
7,37,21
